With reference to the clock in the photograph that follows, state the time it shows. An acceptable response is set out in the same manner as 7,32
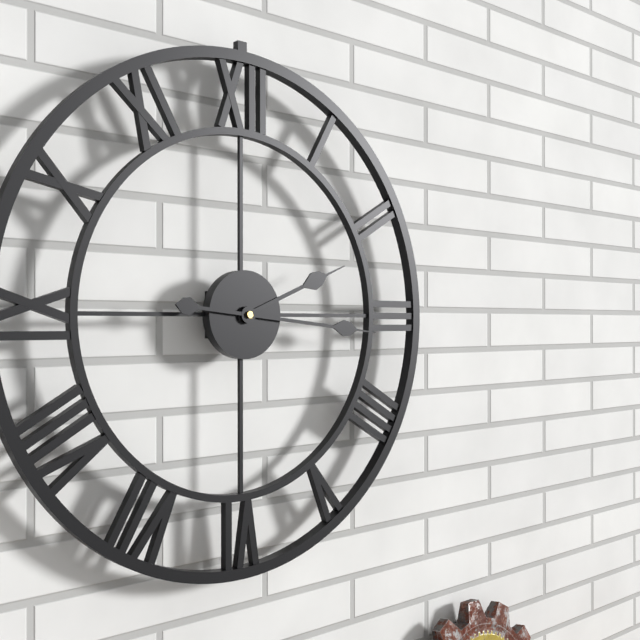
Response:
2,16
